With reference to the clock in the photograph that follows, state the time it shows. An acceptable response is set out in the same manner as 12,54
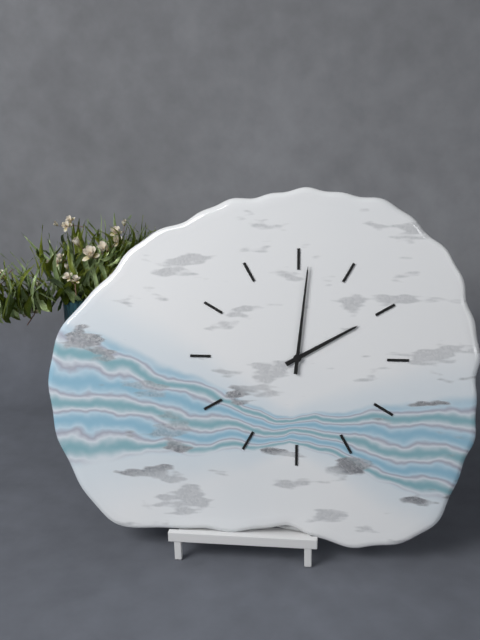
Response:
2,01
